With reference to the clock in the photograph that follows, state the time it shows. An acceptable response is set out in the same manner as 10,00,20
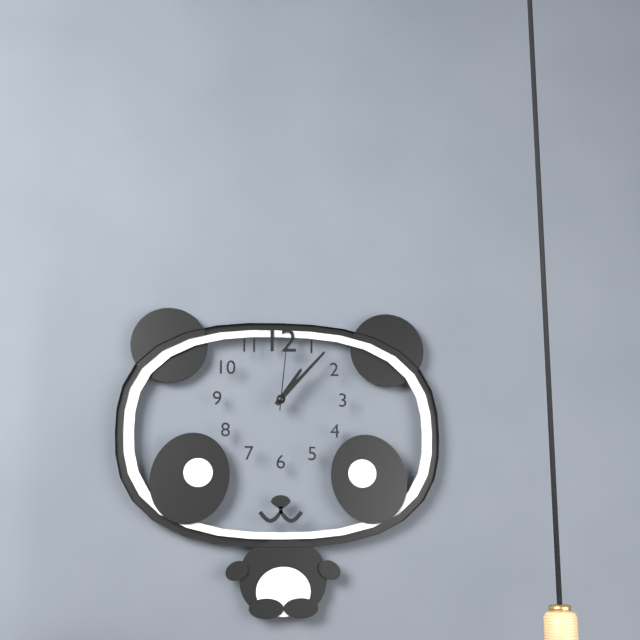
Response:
1,07,01
